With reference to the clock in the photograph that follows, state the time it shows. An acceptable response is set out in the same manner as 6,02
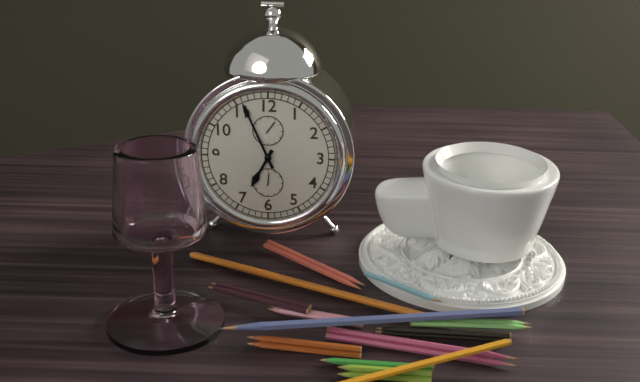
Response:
6,56
